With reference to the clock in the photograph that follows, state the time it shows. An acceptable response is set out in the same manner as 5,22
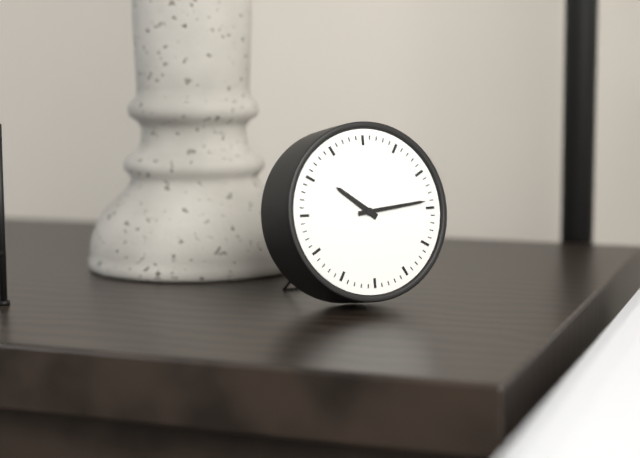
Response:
10,14
